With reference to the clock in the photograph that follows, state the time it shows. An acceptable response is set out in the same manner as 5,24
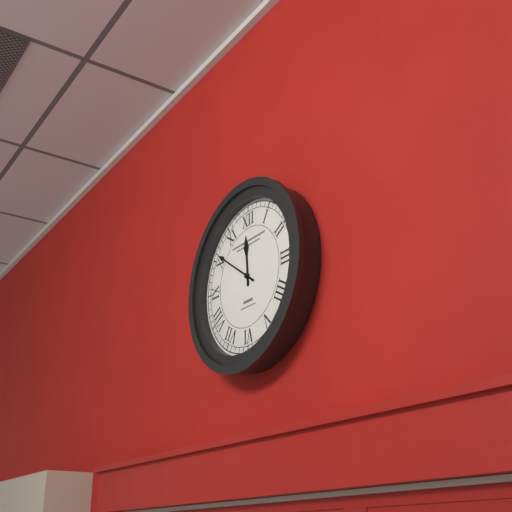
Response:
11,51
